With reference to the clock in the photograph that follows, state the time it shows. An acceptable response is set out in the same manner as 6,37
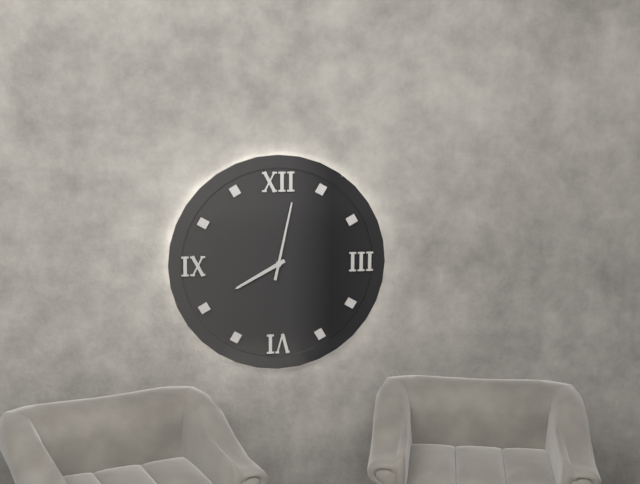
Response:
8,02
